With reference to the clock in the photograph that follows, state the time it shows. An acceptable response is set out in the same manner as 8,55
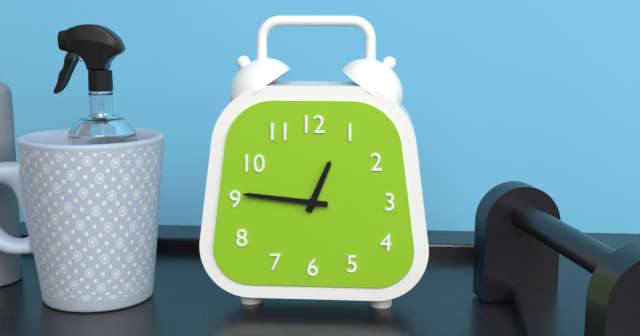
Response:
12,46
